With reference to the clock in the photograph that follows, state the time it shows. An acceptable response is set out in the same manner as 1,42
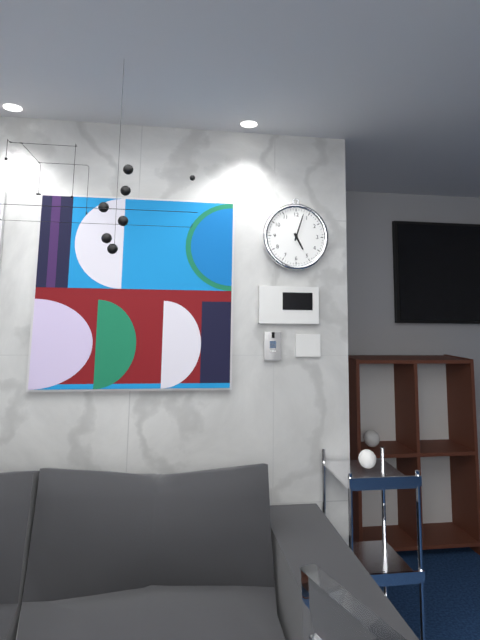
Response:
5,03
